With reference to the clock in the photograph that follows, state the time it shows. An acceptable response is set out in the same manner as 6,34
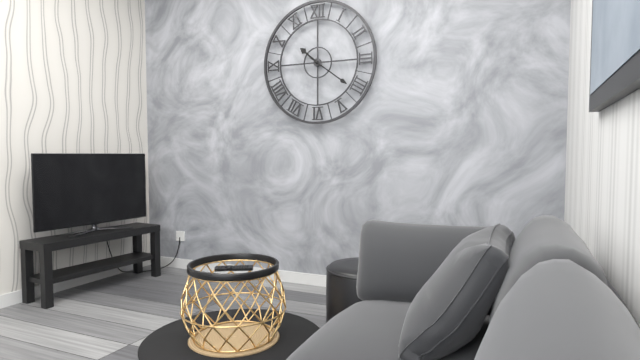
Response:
10,21
